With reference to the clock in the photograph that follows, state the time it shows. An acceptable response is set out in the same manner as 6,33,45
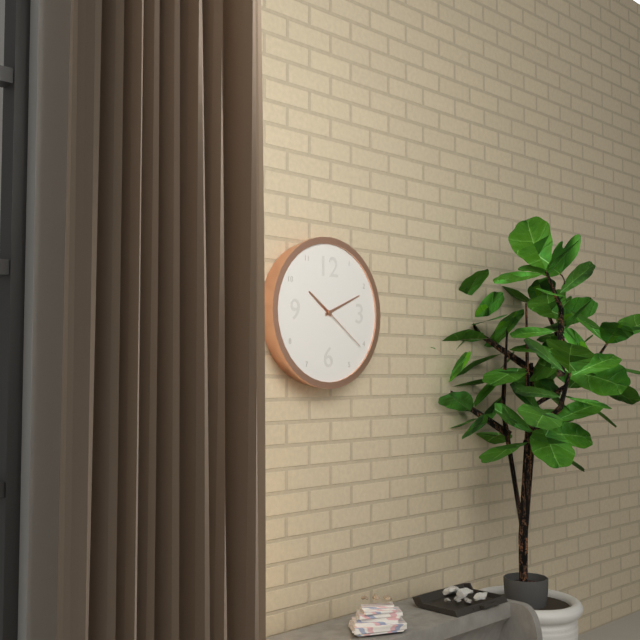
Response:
10,11,21
